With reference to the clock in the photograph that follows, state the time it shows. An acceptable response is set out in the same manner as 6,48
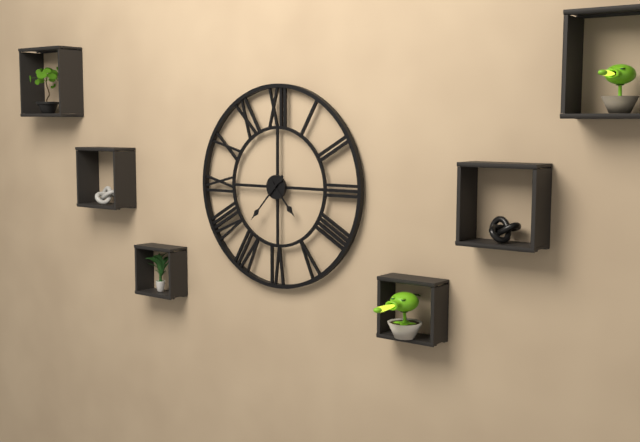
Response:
4,37
